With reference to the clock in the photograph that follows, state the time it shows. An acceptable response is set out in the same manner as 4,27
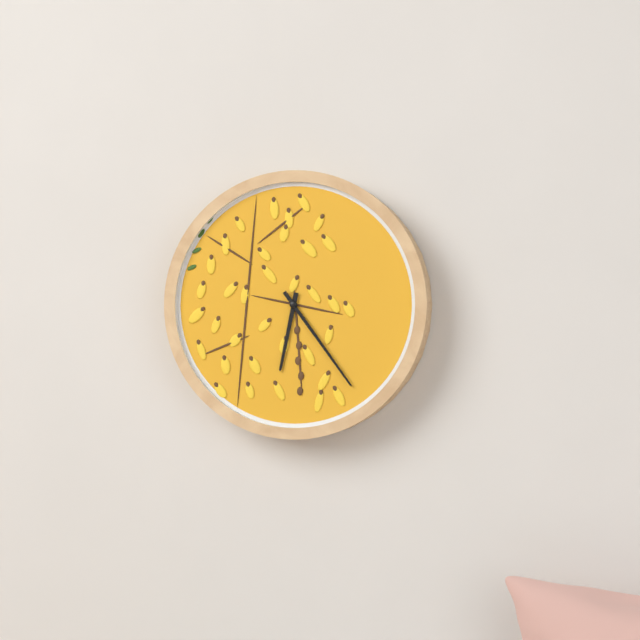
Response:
6,24
